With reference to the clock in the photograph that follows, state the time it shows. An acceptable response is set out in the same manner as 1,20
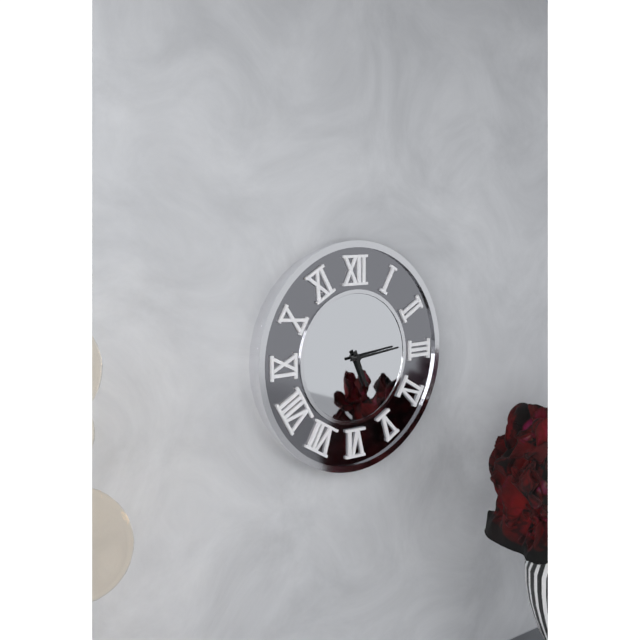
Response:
5,14
